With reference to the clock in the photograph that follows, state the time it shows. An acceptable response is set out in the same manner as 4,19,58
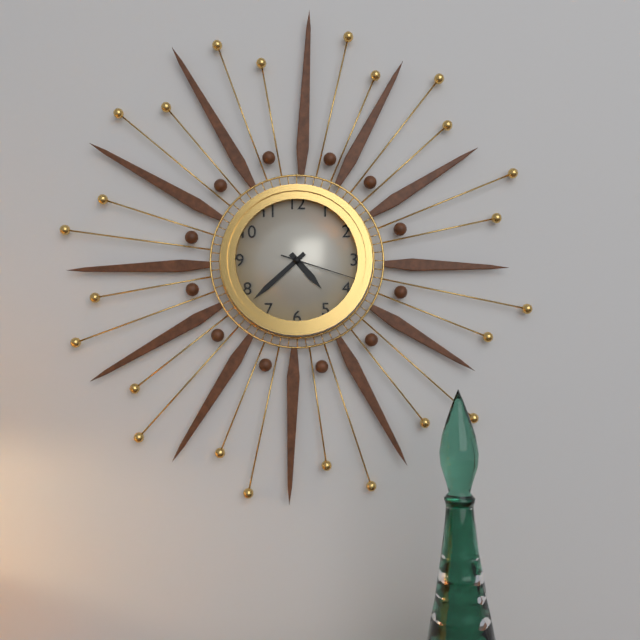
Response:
4,38,18
